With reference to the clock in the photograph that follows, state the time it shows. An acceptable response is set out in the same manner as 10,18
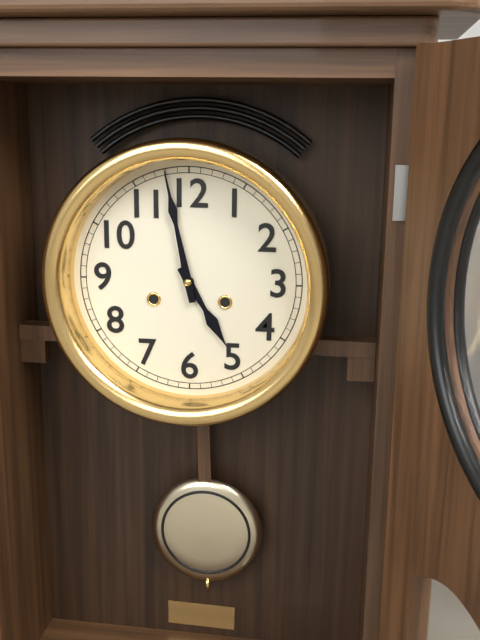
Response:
4,58
